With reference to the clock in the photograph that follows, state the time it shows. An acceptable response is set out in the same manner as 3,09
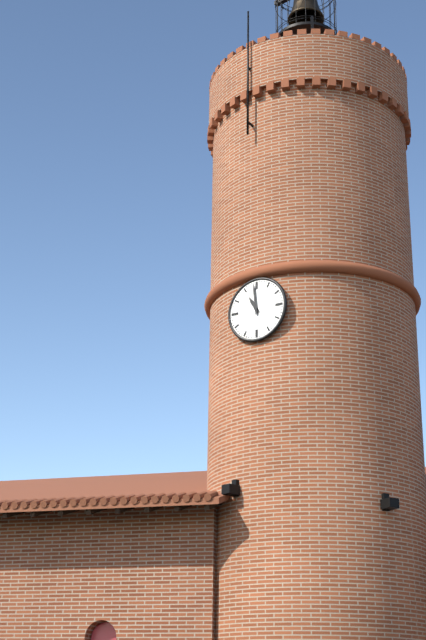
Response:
10,59
